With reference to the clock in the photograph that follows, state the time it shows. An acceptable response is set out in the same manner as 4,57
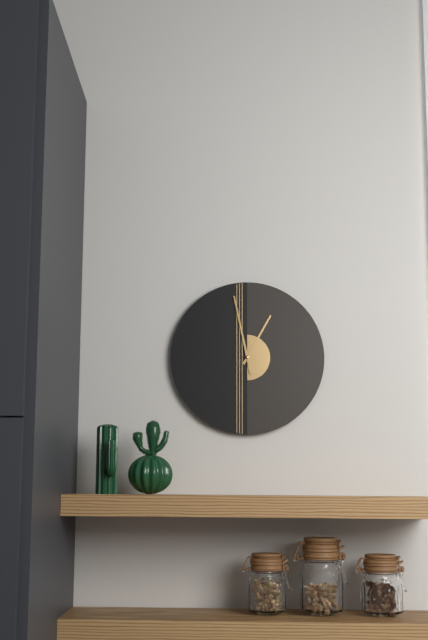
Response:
12,58
